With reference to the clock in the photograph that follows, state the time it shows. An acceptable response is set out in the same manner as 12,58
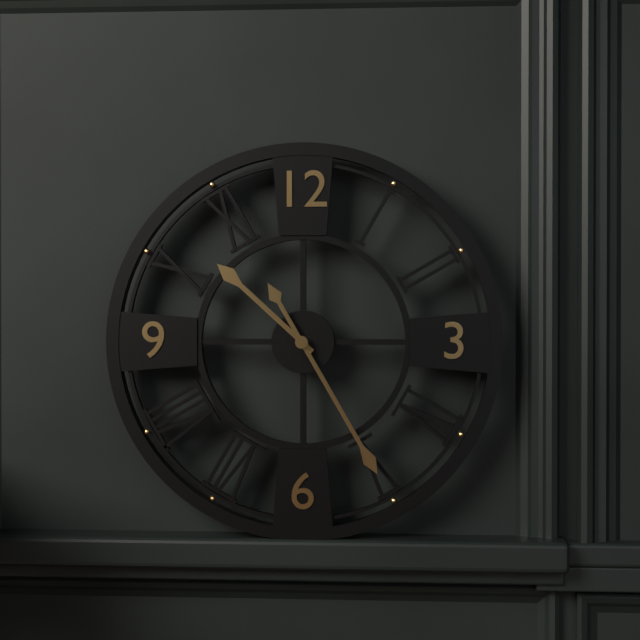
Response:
10,25
